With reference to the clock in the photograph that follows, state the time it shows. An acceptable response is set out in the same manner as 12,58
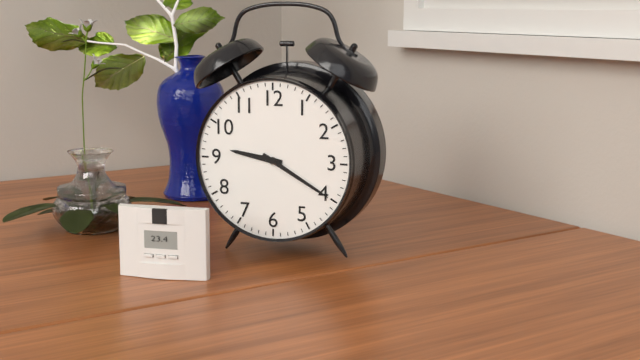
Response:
9,20
